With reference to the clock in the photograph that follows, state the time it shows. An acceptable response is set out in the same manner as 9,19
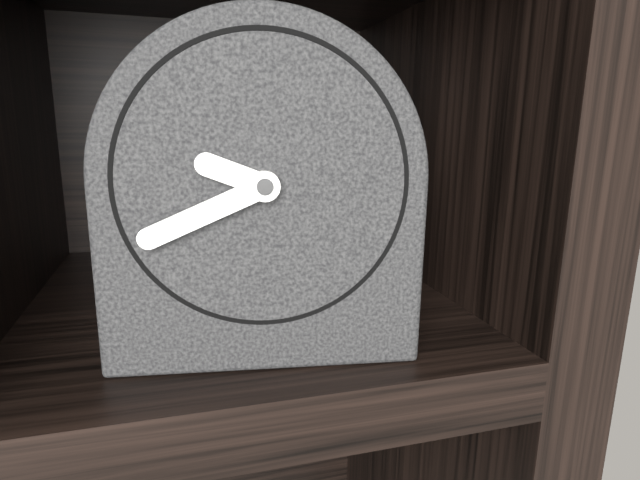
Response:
9,41
